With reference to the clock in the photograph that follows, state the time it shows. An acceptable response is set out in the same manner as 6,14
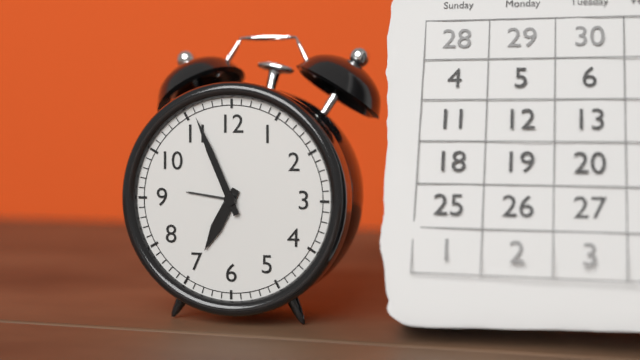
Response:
6,56
